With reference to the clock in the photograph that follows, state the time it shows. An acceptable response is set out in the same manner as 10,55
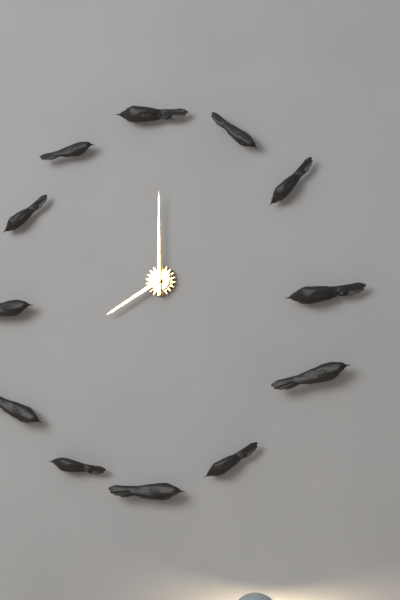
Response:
8,00
